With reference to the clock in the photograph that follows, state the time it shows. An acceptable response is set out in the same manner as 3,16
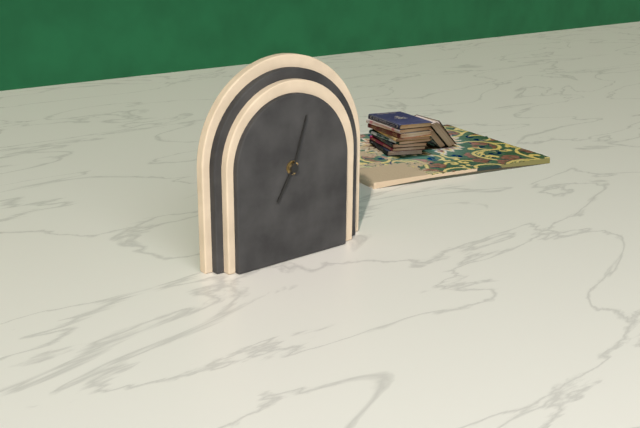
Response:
7,03
